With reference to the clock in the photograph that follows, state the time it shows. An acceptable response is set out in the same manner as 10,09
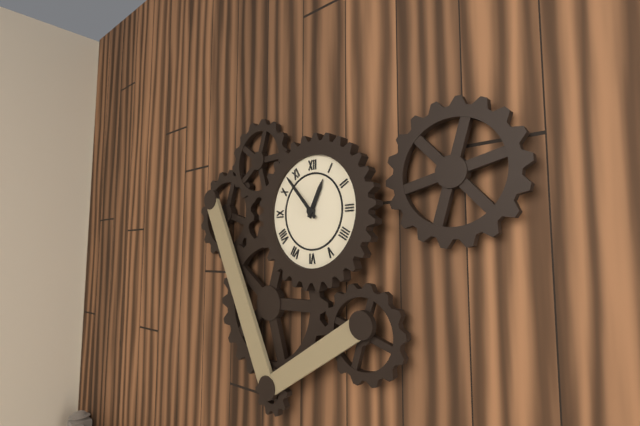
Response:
12,53
